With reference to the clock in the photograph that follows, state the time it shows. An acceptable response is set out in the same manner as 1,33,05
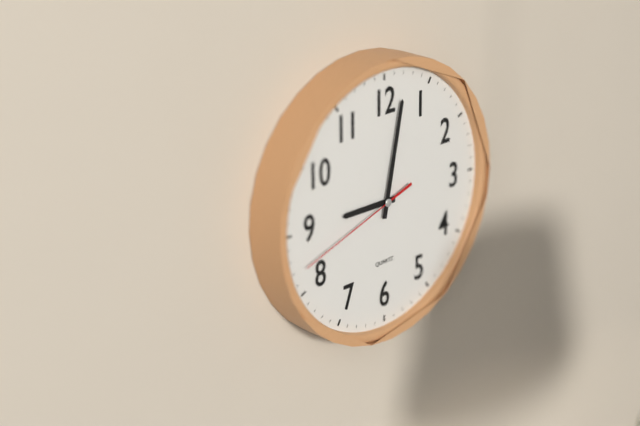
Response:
9,02,42
